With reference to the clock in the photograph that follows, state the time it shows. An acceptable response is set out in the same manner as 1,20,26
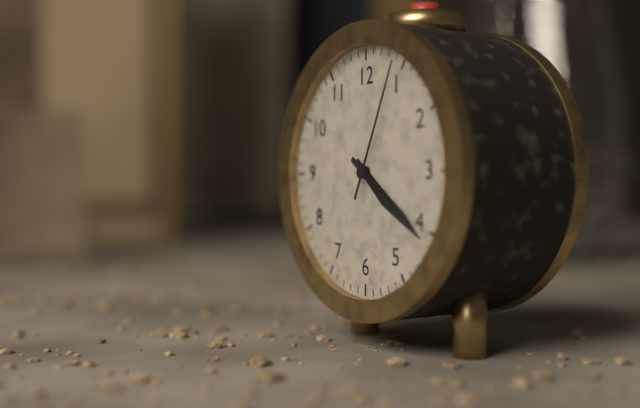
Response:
4,21,04
